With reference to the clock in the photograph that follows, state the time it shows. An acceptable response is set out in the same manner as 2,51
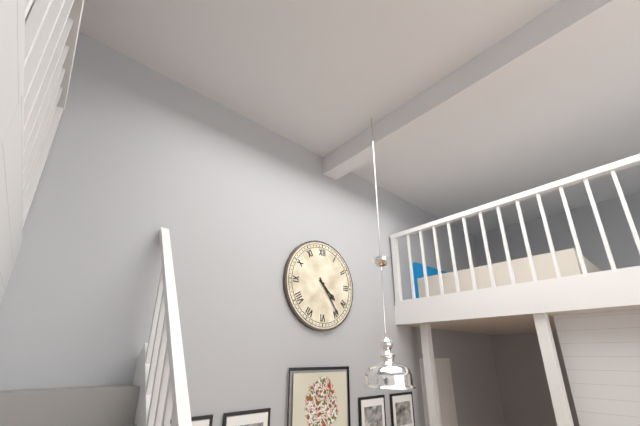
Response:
4,24
